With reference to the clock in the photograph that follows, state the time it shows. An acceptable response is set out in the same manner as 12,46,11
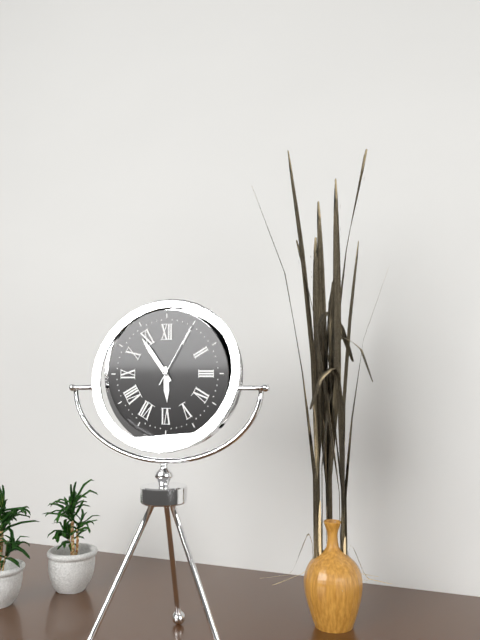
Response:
5,54,05
